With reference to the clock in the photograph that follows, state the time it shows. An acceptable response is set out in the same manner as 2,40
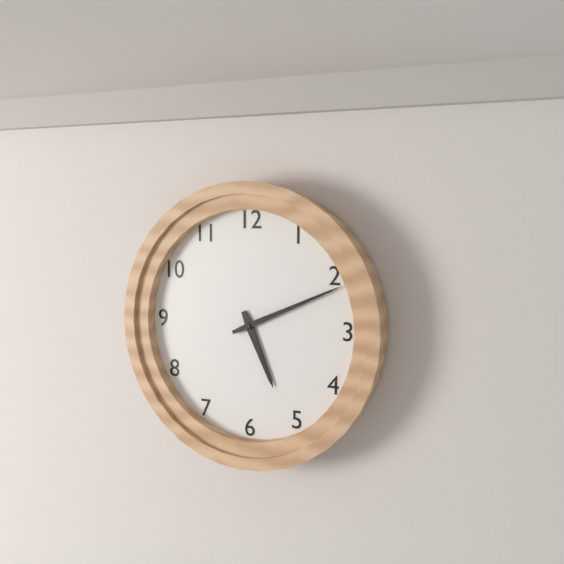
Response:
5,11
